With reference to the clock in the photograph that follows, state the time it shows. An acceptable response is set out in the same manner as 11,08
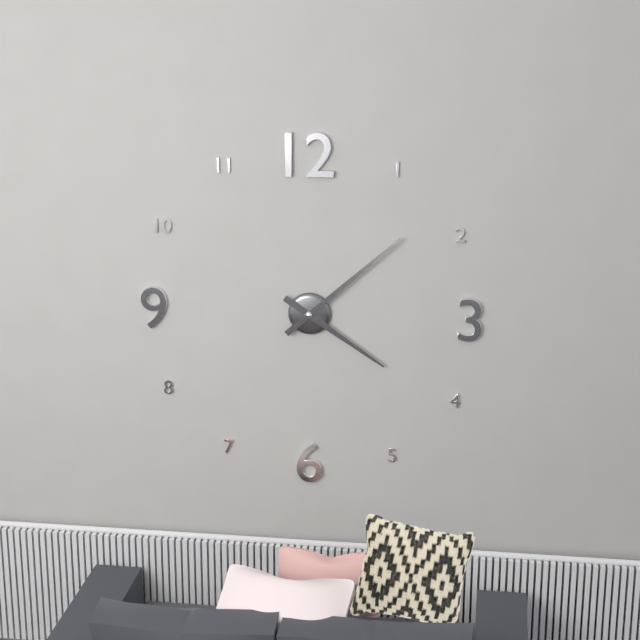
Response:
4,08
